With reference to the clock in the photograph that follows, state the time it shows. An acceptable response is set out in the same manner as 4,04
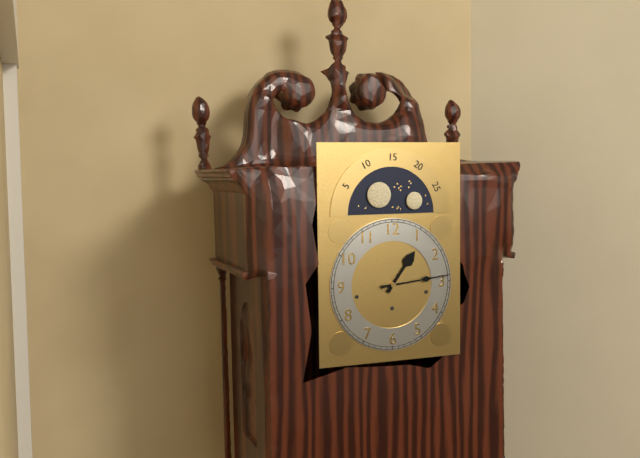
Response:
1,14
